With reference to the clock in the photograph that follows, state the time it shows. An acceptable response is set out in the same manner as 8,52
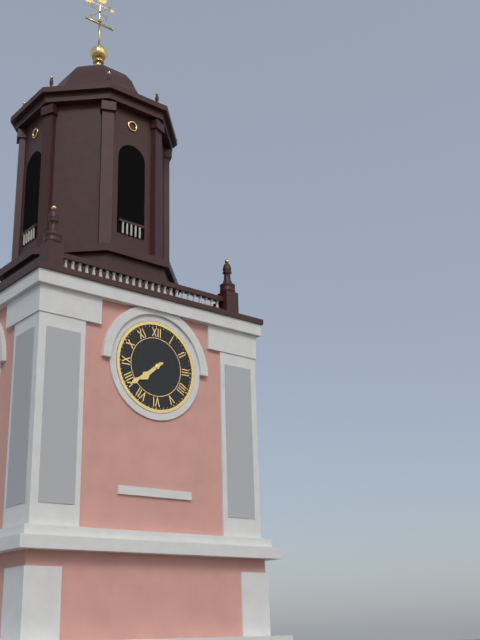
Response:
7,39
